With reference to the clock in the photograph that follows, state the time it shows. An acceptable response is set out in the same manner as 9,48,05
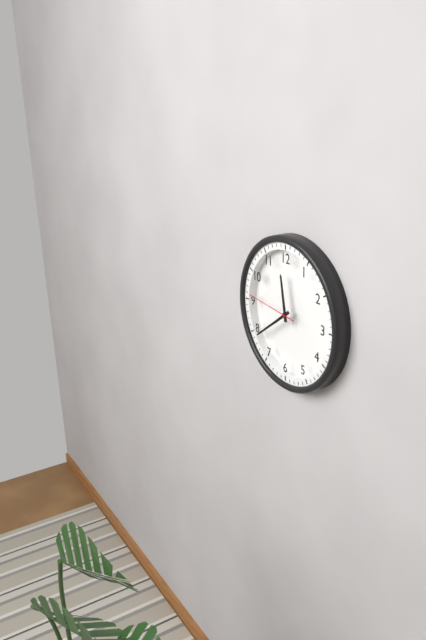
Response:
11,39,46
